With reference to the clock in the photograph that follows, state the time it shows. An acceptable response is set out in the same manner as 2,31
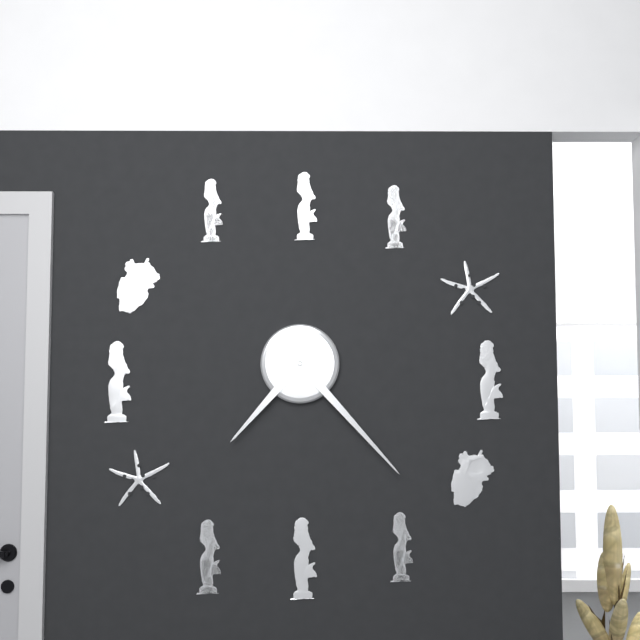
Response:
7,23
